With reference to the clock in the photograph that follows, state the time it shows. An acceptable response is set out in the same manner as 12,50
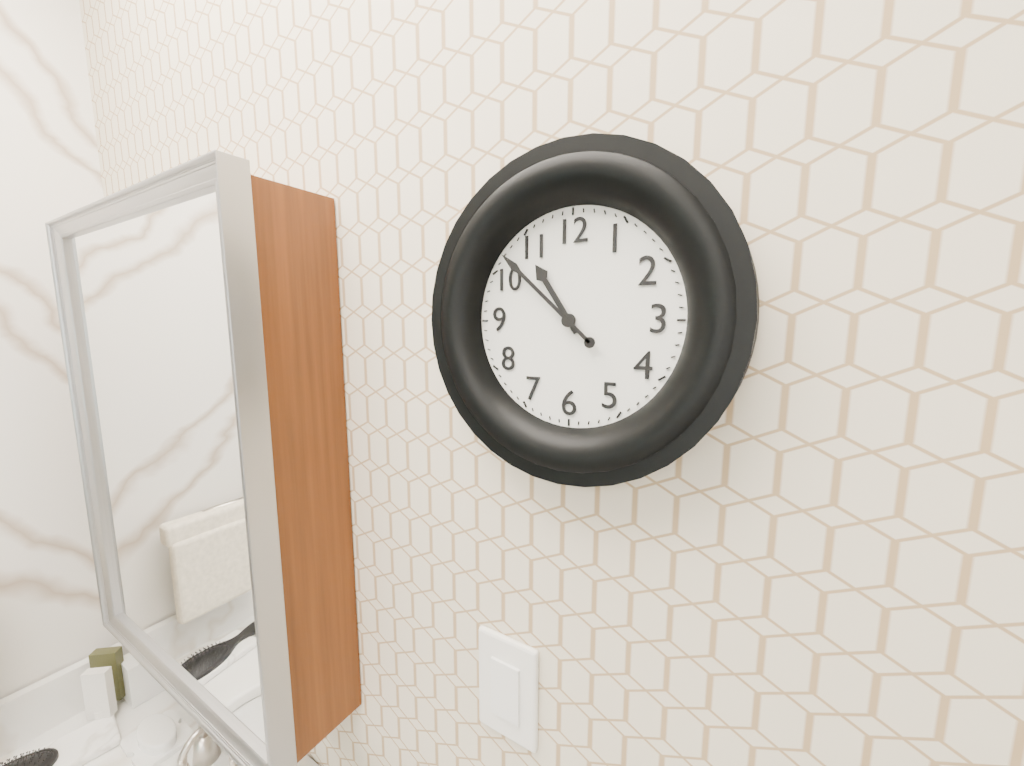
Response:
10,52
